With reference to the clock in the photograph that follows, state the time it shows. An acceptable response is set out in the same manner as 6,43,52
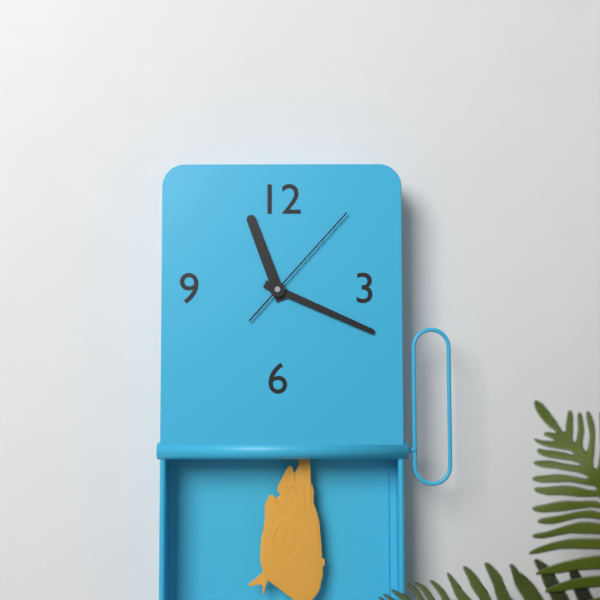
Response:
11,19,07
